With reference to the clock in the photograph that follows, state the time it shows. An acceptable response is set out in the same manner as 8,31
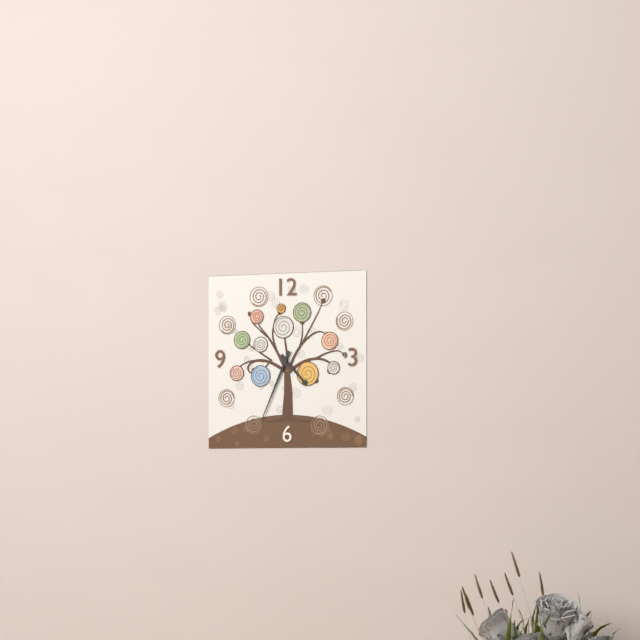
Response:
4,34
